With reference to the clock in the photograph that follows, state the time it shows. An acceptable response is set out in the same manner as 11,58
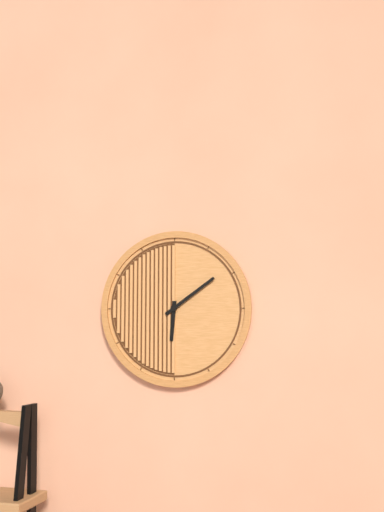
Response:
6,09
